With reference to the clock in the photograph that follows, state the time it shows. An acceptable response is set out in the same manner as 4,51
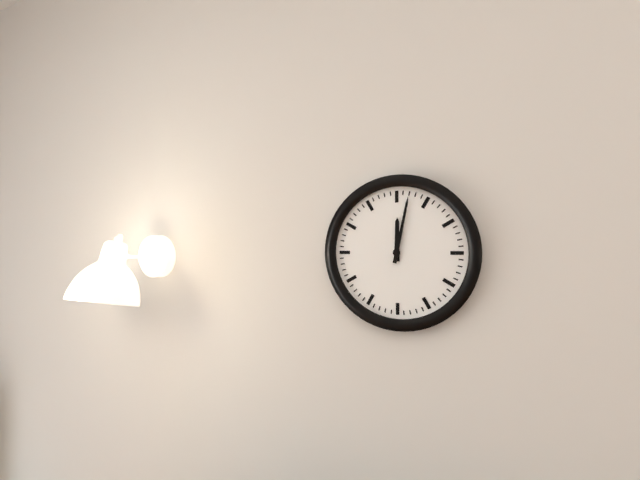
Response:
12,02
